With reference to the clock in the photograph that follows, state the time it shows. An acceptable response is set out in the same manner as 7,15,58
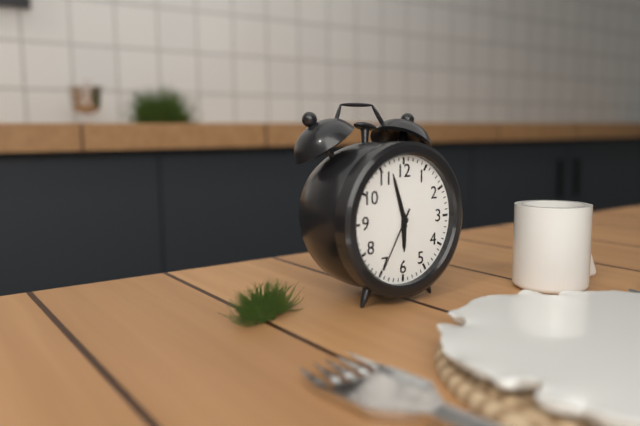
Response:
5,57,35
